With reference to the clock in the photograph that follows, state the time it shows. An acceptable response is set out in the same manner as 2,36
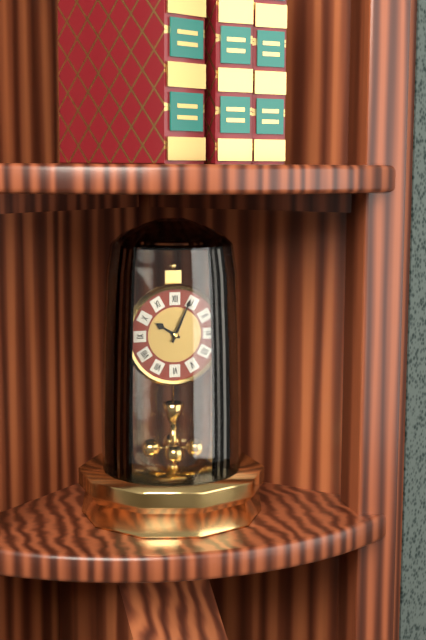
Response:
10,04
